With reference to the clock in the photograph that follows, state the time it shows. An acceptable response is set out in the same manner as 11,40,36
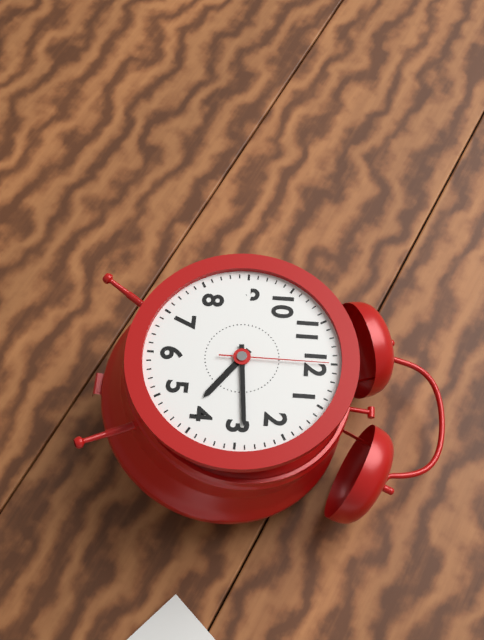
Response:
4,14,00
